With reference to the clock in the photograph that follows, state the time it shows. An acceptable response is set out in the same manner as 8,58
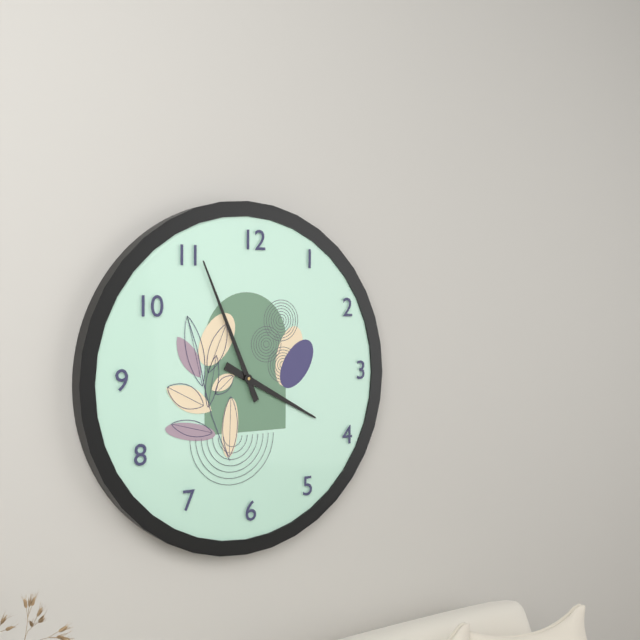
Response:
3,56
